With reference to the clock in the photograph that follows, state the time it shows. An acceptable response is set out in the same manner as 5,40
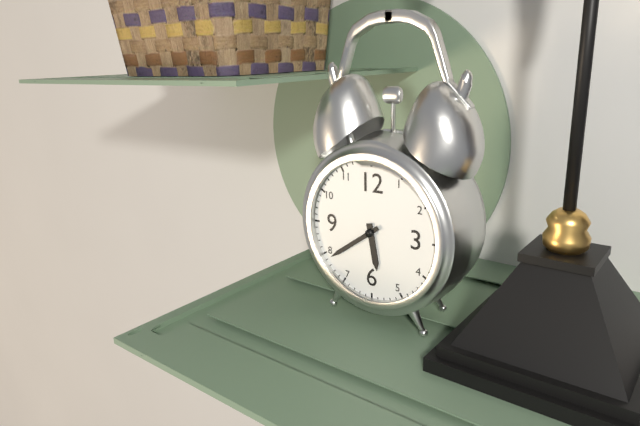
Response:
5,39
